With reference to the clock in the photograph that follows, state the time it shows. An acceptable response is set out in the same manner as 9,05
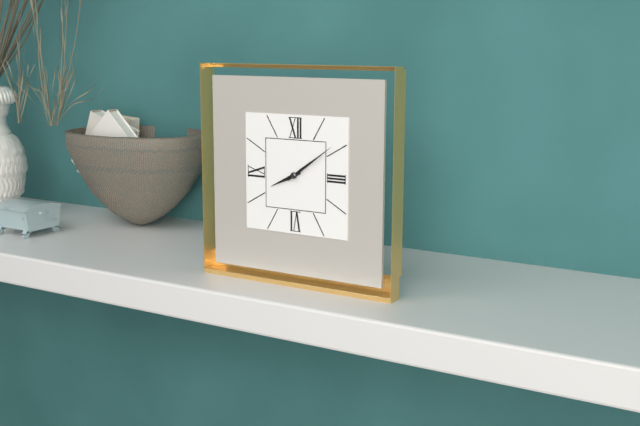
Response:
8,09
